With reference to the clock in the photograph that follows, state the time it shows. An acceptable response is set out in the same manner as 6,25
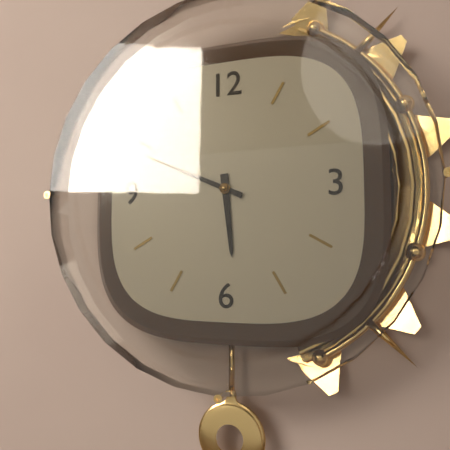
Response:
5,49
